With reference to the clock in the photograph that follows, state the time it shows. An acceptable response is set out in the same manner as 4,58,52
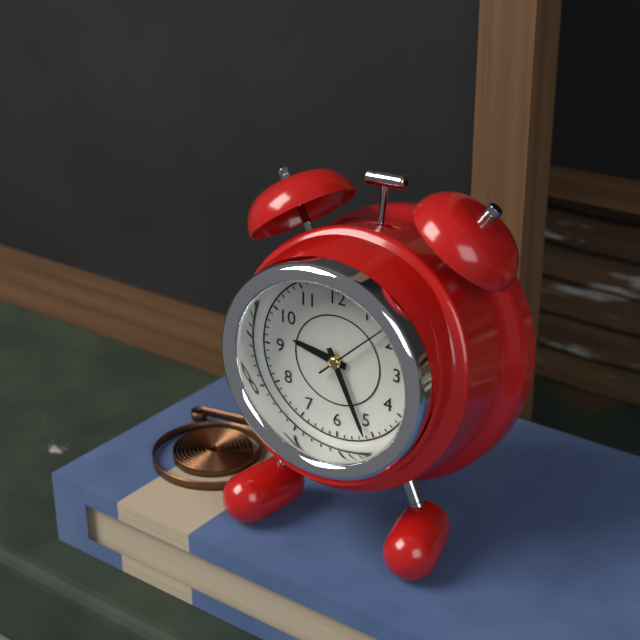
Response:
9,26,08
